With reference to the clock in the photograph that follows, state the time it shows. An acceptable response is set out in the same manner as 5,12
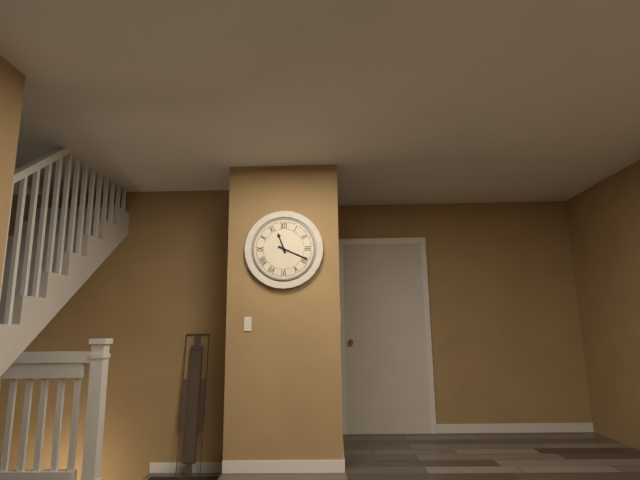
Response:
11,19
